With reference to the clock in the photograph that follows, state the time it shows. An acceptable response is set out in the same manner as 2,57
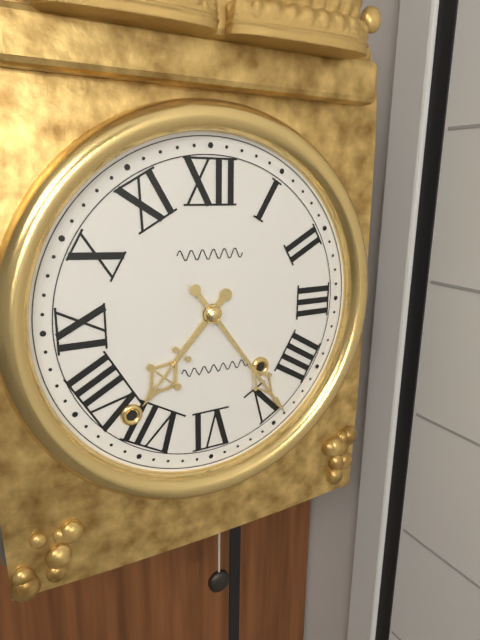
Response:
7,24
